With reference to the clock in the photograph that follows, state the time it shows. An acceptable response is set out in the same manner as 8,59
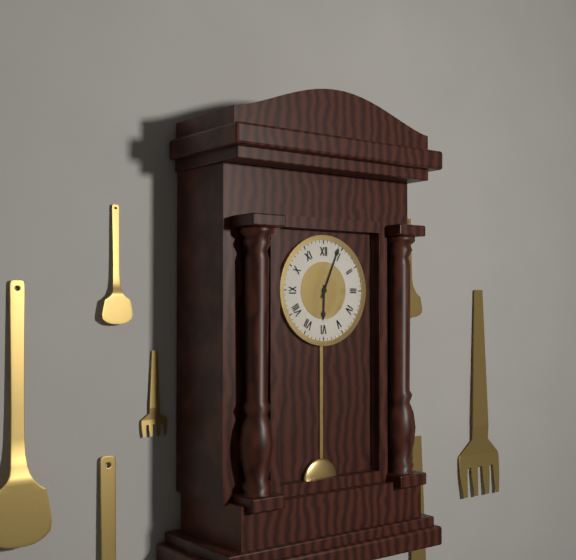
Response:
6,04
